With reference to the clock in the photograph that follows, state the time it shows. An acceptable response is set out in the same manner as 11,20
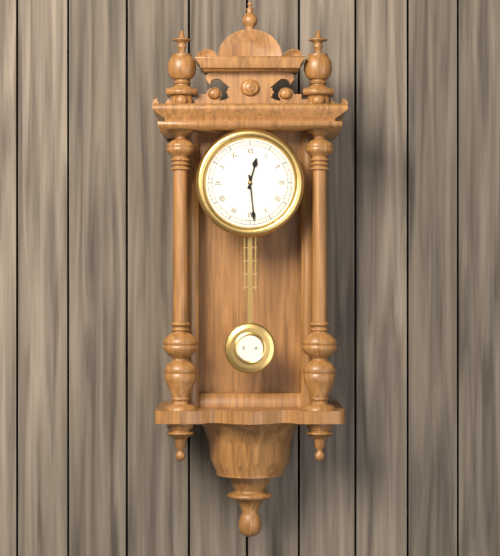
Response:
12,29
